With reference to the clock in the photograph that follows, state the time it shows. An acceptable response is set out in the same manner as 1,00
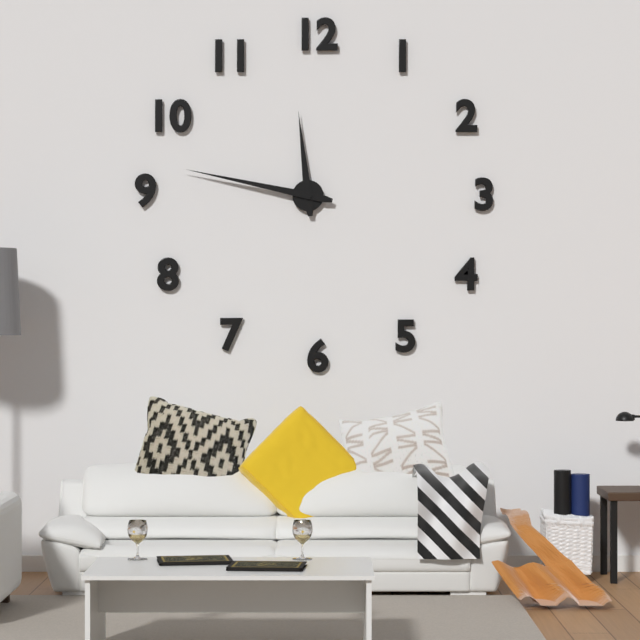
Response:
11,47
